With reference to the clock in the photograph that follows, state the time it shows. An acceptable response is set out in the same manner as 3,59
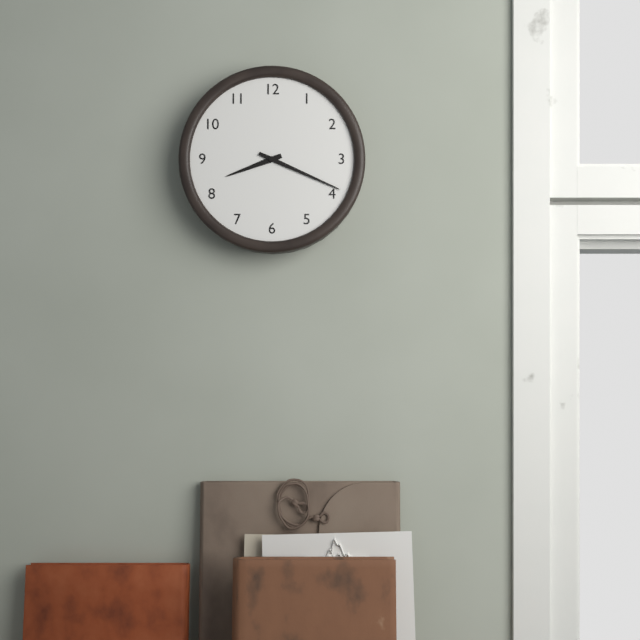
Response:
8,19
